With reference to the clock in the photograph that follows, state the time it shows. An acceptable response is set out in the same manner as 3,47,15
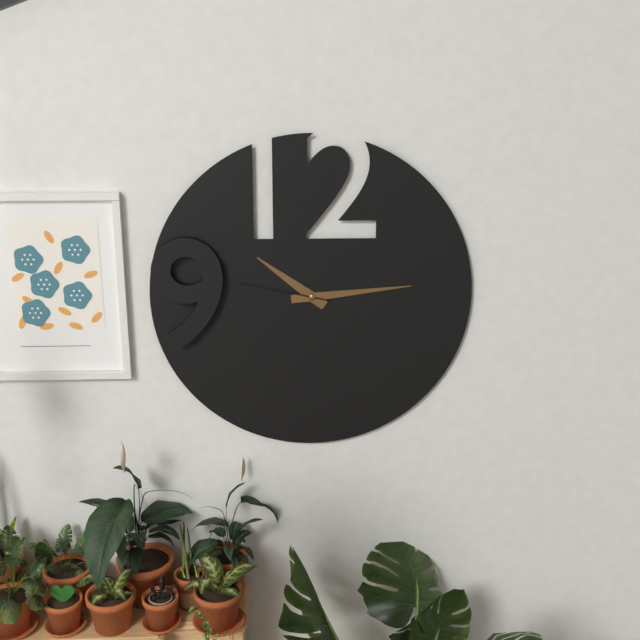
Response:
10,14,47
